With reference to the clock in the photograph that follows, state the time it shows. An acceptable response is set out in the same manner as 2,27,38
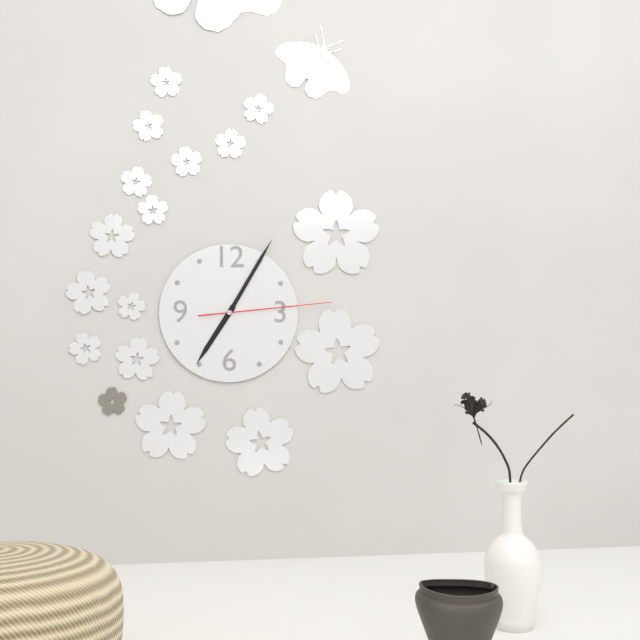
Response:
7,05,14
